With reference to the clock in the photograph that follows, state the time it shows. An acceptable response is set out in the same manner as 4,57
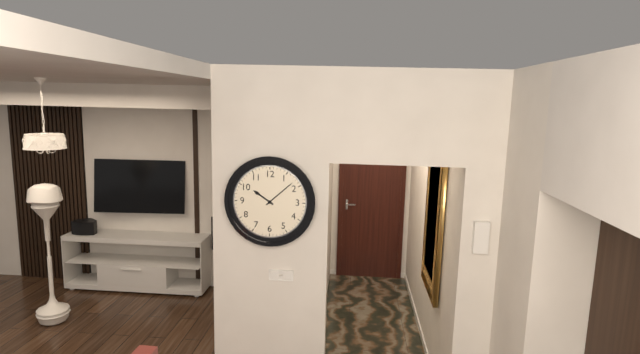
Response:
10,08
